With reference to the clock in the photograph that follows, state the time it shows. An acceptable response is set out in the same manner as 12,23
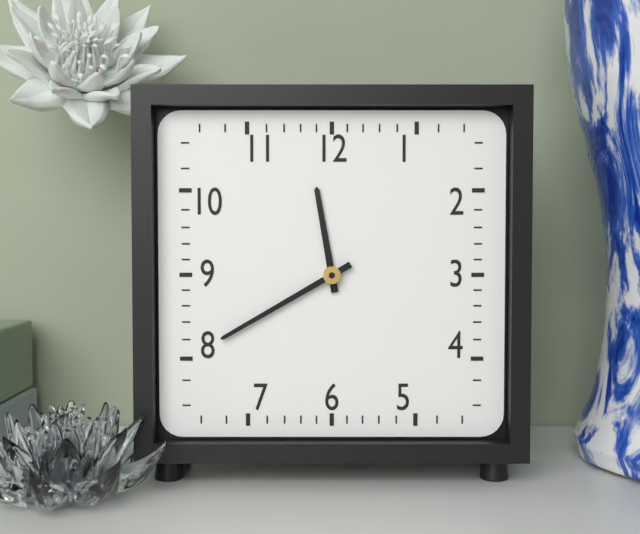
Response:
11,40
